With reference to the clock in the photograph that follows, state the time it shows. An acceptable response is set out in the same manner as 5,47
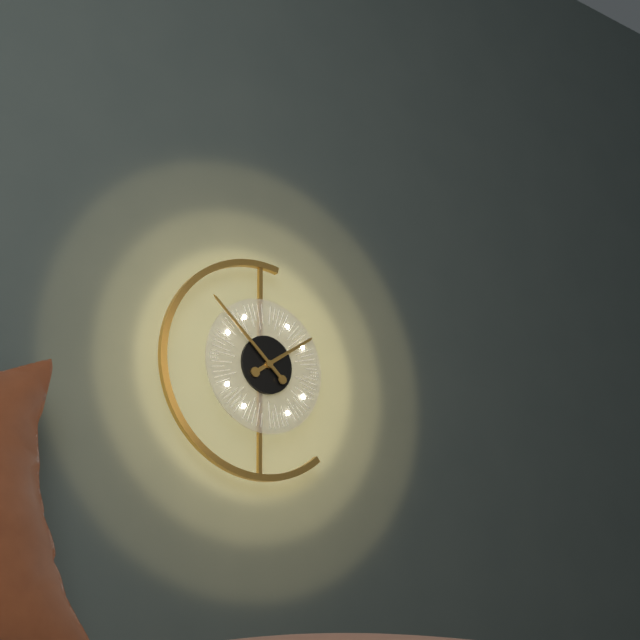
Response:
1,52
